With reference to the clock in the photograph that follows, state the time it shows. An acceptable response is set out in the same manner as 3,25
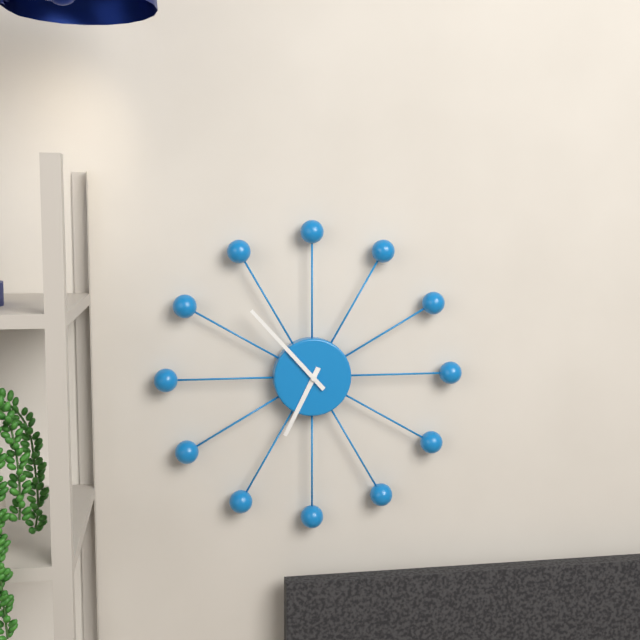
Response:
6,53
